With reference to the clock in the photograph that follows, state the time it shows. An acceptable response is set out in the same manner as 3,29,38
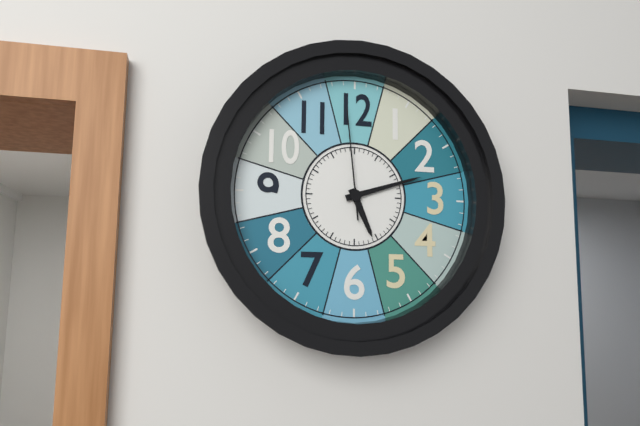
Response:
5,12,59
